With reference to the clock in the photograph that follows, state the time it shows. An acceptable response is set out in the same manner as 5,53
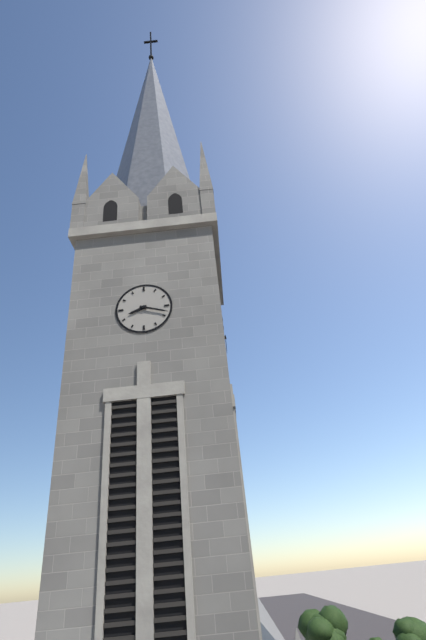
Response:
8,18
